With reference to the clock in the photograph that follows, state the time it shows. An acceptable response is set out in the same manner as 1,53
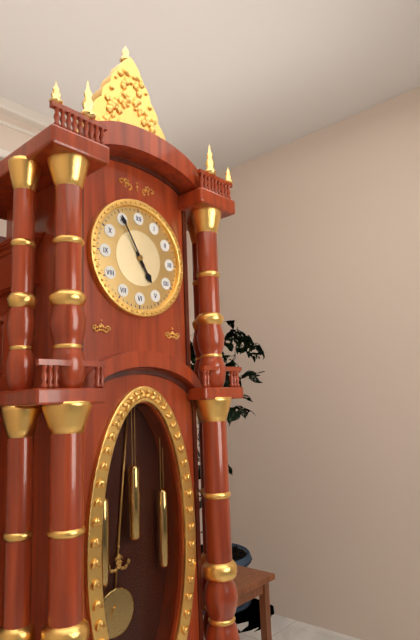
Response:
4,55
